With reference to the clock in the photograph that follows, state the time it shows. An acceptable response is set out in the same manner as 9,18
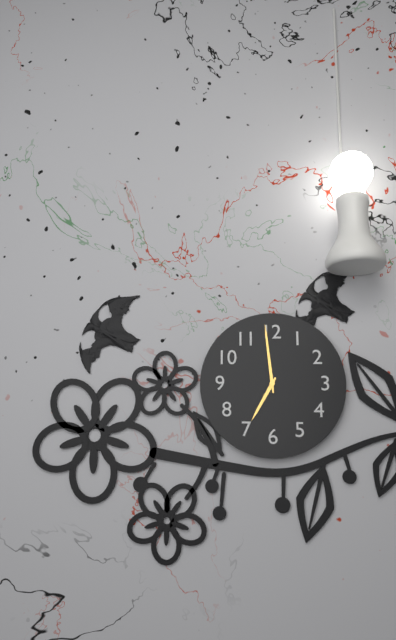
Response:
6,59
